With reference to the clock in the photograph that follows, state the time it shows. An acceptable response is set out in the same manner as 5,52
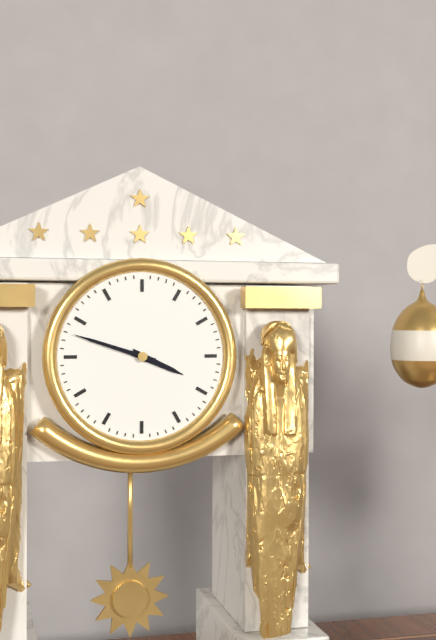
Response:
3,48
